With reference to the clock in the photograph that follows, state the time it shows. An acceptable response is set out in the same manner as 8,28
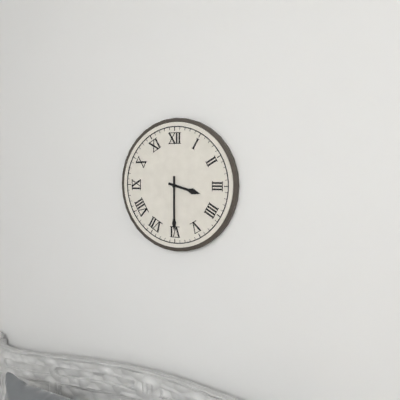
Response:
3,30
